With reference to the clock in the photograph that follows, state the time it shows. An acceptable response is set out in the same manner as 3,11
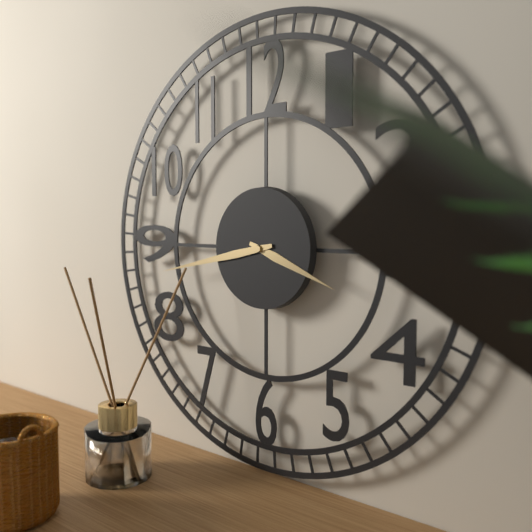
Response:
3,43
